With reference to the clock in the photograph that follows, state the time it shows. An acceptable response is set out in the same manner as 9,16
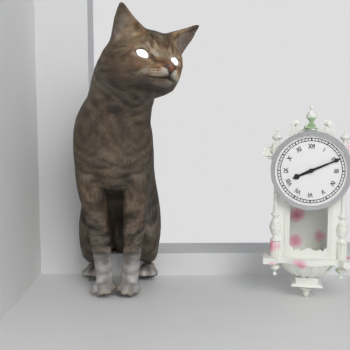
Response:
8,11
